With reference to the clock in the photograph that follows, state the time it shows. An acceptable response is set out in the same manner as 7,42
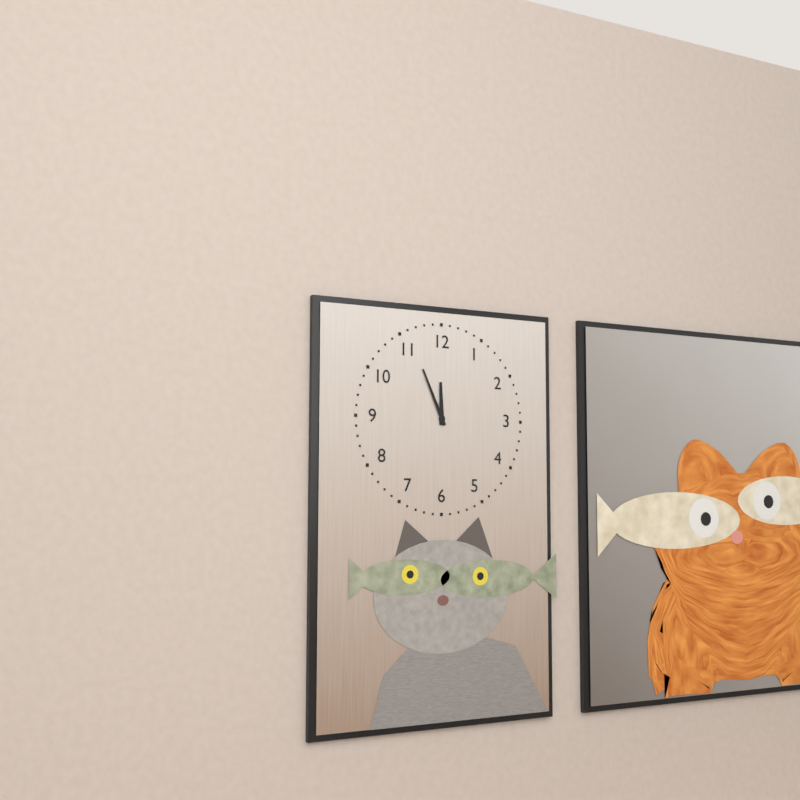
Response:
11,56
